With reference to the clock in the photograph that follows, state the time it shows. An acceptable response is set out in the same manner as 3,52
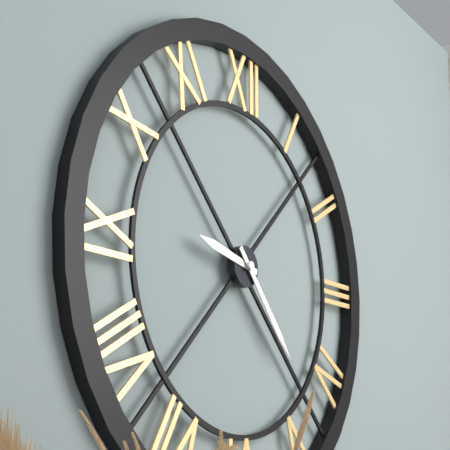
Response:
9,23
